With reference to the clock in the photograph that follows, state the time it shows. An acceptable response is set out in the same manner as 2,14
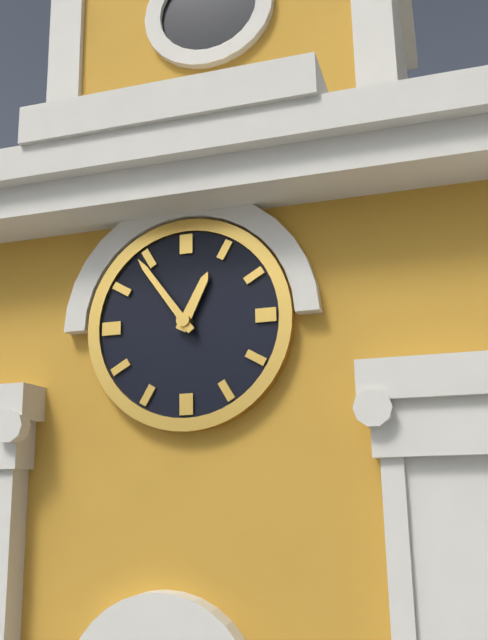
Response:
12,54
